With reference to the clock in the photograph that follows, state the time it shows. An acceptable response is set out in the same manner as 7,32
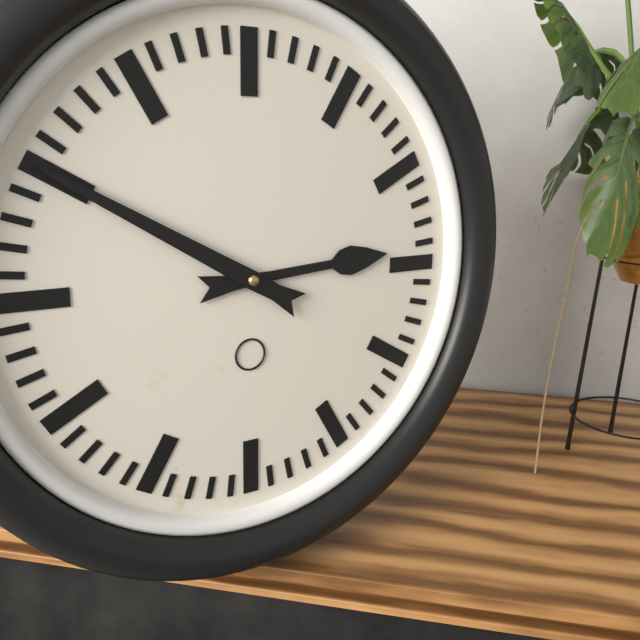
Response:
2,50
